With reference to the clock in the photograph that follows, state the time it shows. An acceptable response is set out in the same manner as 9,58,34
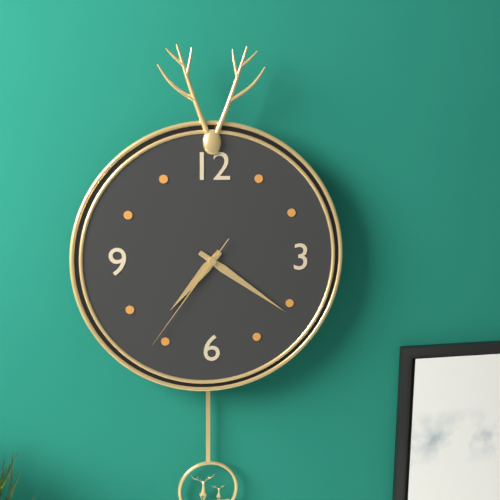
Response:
7,21,36
